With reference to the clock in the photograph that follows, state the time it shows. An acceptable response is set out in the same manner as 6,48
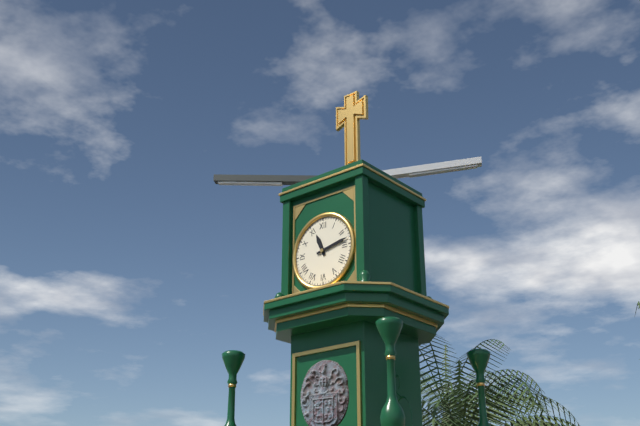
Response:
11,13
